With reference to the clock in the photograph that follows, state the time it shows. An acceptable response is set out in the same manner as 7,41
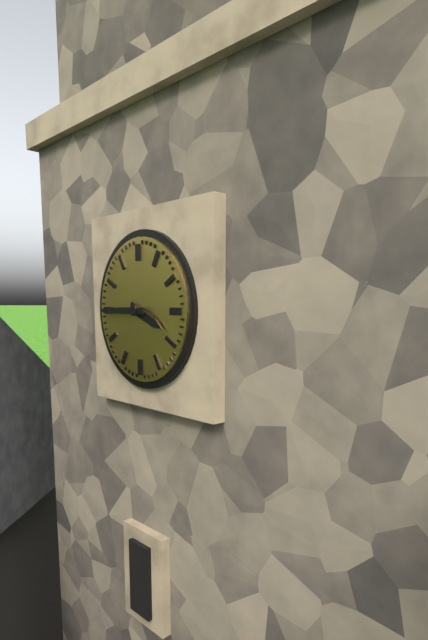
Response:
3,45
